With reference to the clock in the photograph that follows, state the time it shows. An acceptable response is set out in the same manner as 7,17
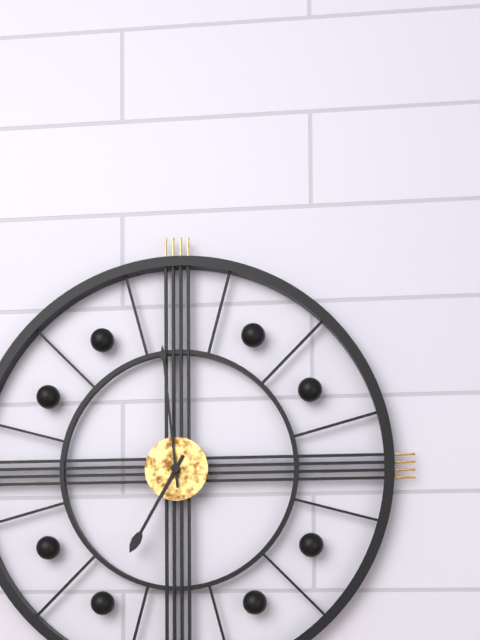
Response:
6,59
